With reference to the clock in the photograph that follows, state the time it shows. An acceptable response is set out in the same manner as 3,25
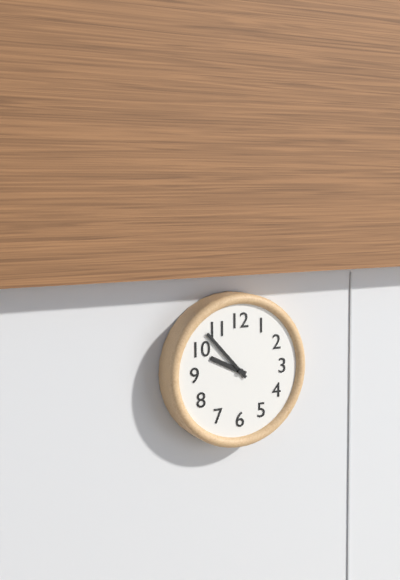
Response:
9,53
